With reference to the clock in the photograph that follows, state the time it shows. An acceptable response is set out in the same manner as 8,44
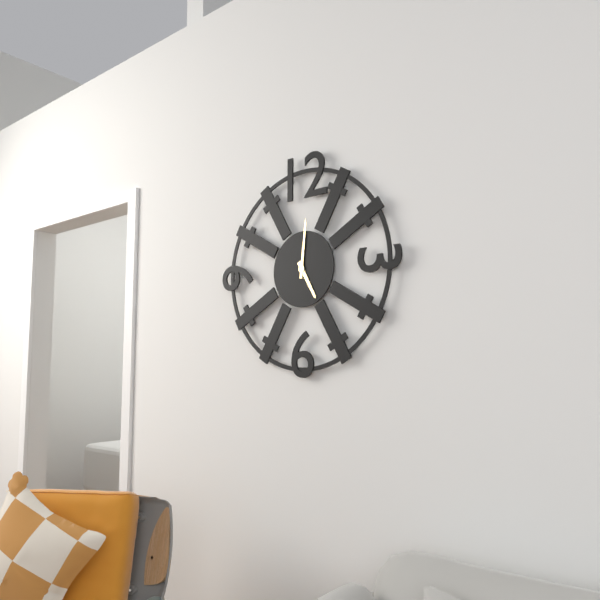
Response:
5,01
